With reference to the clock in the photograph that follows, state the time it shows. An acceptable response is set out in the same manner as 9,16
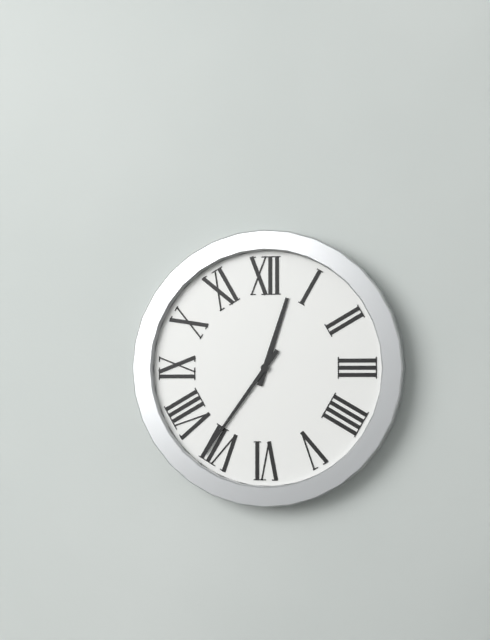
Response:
12,36
